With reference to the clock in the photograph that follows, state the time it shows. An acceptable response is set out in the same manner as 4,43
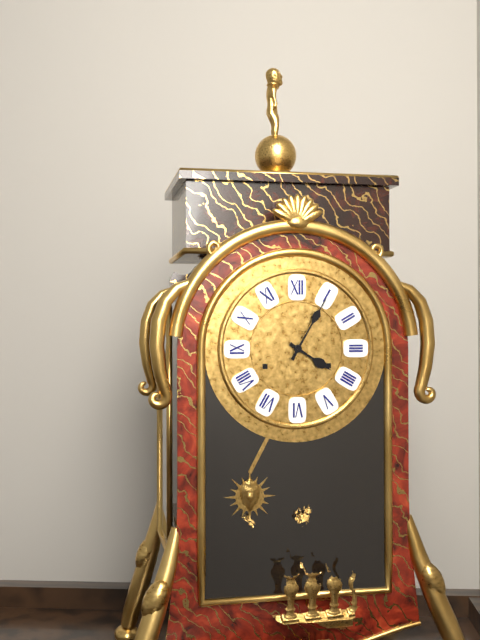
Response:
4,05
